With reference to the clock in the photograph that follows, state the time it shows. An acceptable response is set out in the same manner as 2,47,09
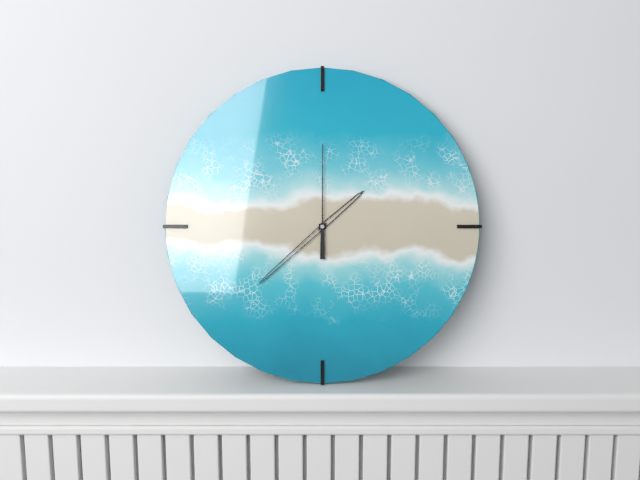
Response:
1,38,00
